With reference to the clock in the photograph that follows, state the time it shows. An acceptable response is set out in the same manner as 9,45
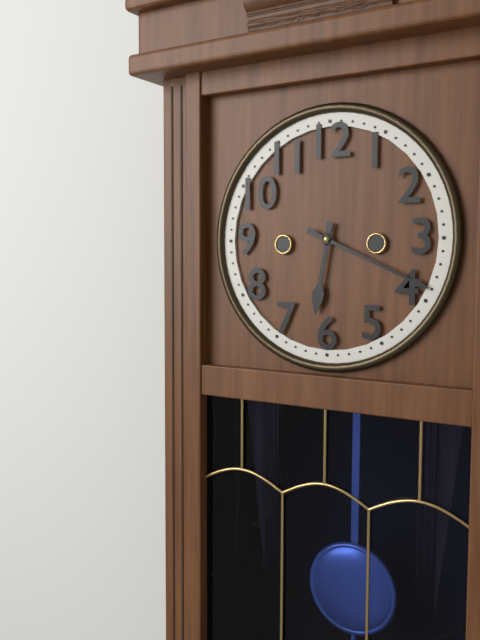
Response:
6,19
